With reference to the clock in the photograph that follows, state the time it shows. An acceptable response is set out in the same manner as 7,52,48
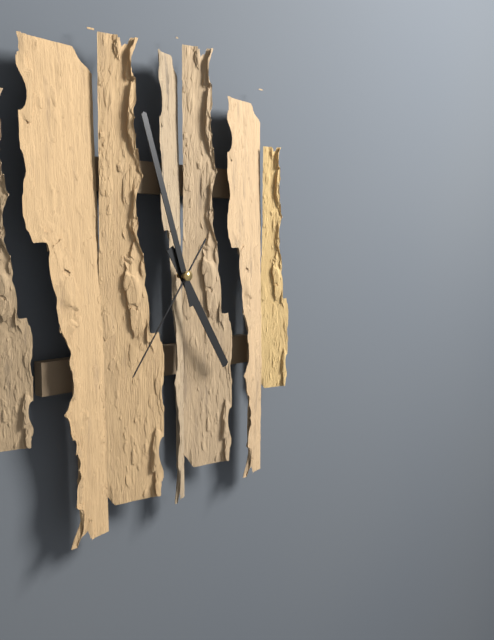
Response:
4,57,36
